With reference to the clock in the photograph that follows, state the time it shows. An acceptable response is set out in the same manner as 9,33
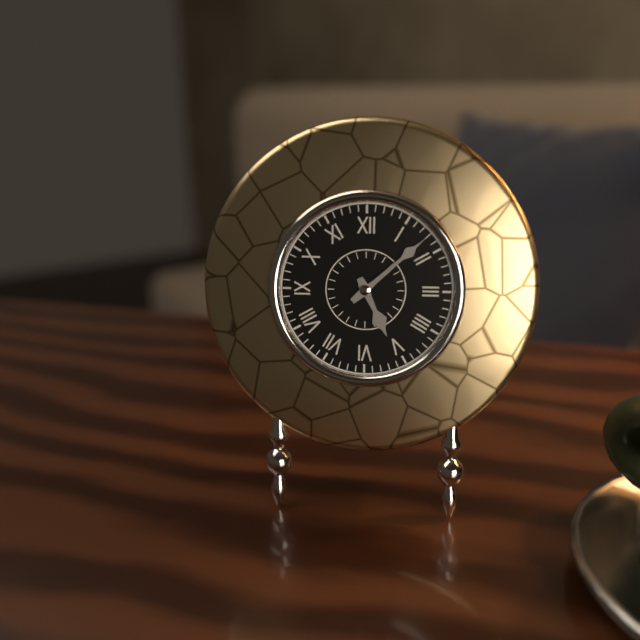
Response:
5,08
